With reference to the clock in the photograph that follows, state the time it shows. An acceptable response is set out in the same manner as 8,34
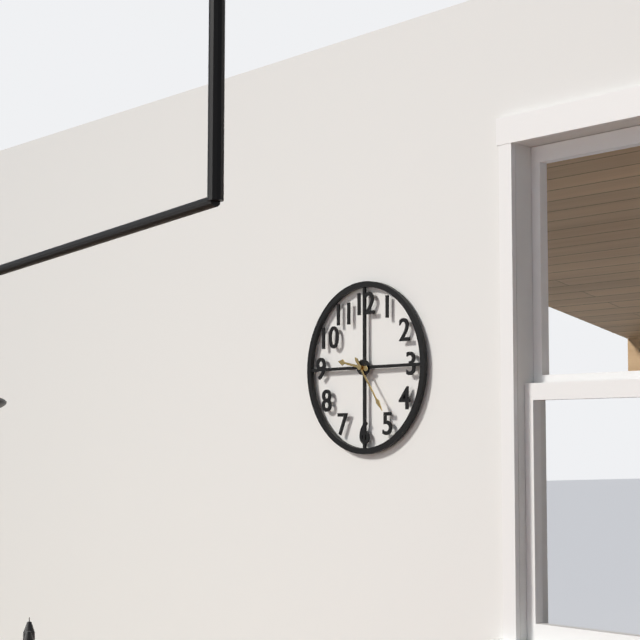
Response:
9,24
